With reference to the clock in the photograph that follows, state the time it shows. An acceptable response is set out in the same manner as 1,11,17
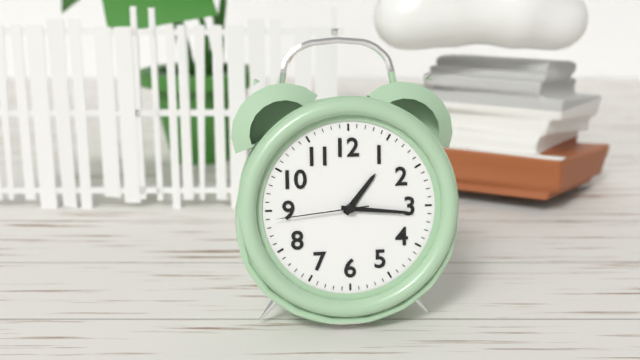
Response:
1,16,44
